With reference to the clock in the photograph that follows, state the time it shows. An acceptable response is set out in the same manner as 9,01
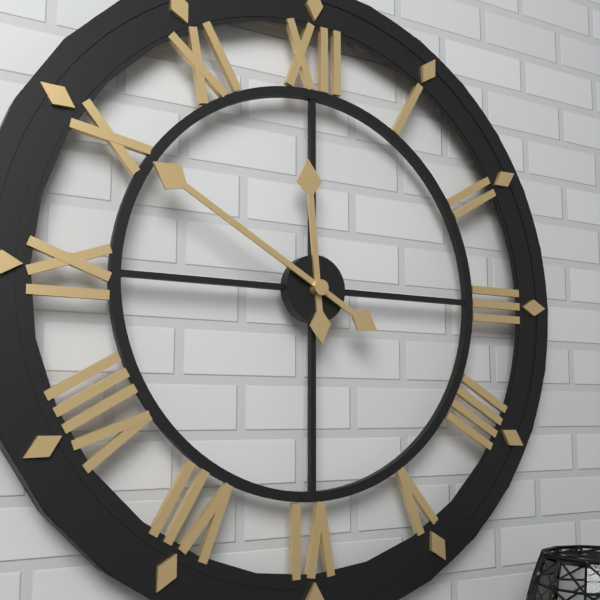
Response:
11,50
